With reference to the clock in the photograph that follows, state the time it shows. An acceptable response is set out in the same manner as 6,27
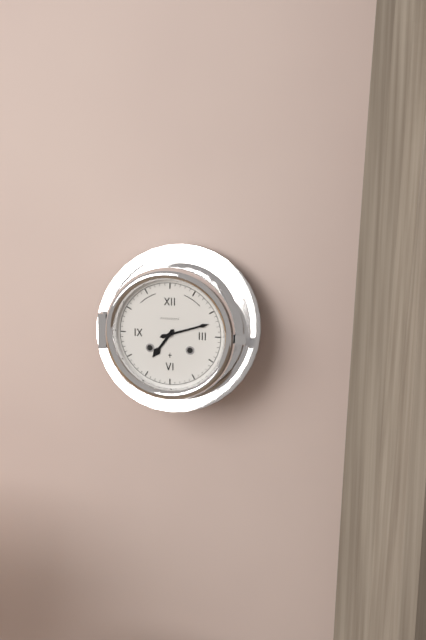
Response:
7,12
